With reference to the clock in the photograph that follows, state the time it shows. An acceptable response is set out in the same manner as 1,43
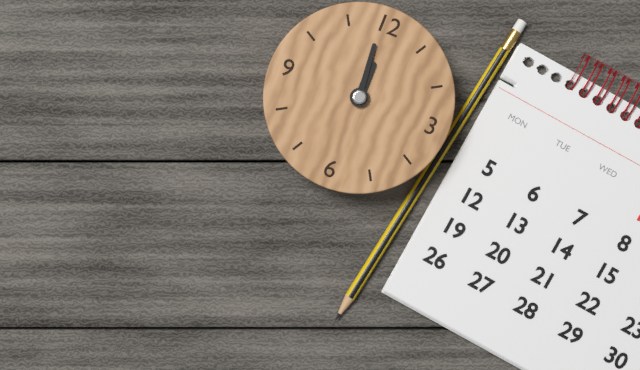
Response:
11,59
